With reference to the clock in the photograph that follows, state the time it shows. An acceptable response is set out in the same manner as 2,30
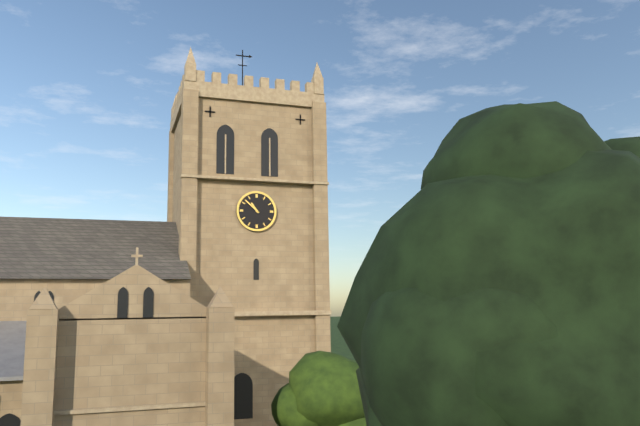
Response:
10,52
